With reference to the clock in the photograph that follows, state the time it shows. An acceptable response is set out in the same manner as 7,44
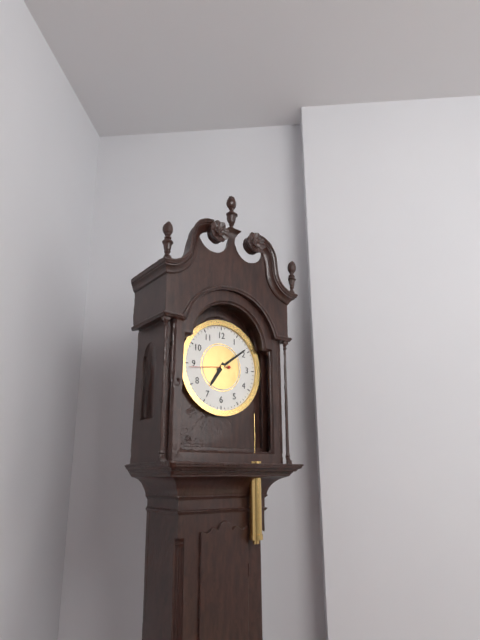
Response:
7,09
